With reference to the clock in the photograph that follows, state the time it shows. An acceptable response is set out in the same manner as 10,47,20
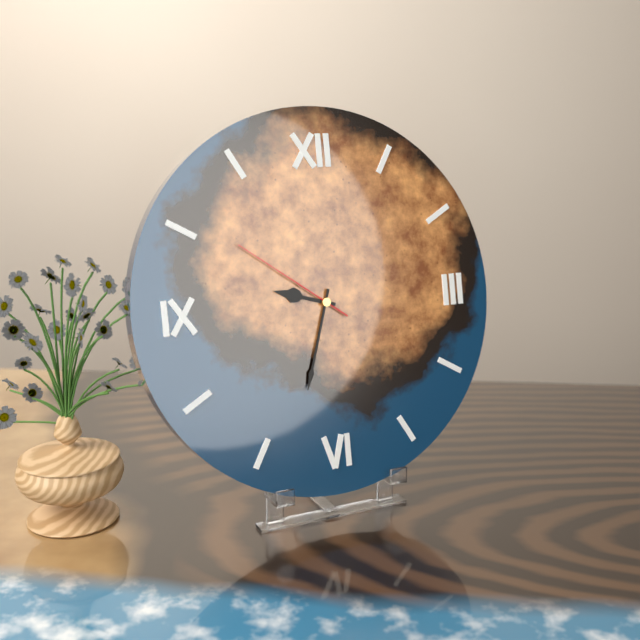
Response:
9,33,51
